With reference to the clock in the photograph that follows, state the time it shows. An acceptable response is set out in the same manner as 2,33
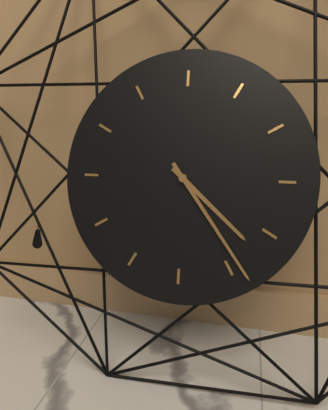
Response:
4,24
